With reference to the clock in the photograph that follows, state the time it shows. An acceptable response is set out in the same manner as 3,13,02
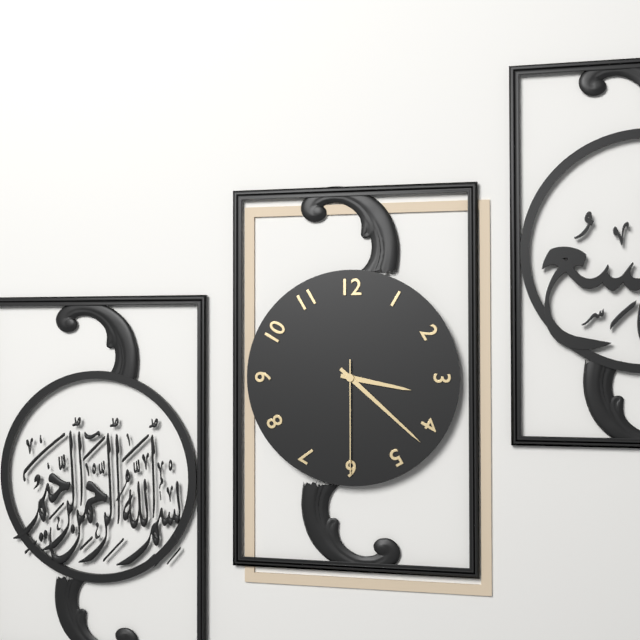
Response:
3,22,30
